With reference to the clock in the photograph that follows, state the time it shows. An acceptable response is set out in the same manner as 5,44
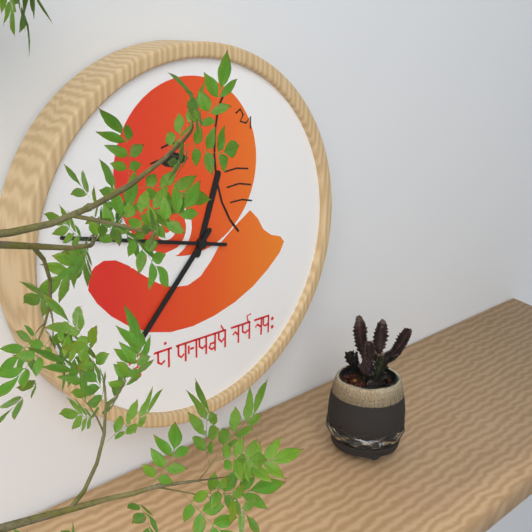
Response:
12,37
